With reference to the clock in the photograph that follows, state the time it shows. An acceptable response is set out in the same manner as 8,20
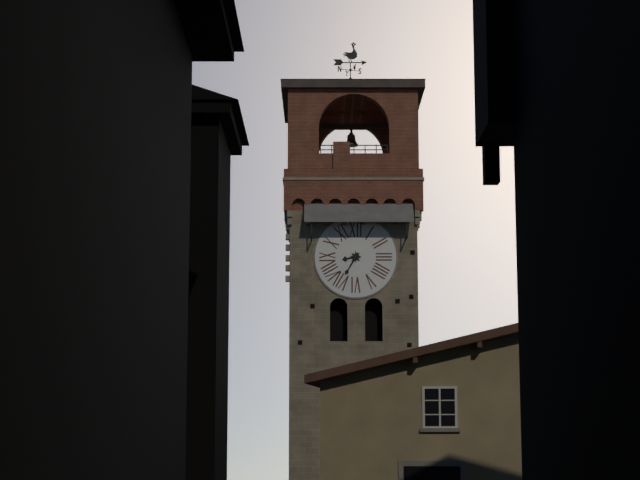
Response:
8,35
